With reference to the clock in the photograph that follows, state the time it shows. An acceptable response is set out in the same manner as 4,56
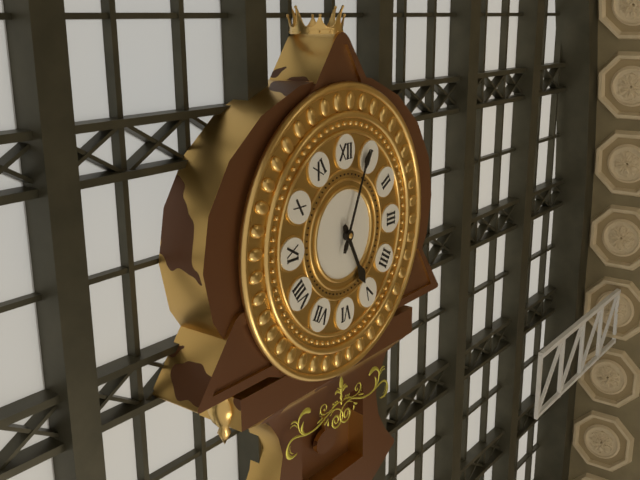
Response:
5,04
